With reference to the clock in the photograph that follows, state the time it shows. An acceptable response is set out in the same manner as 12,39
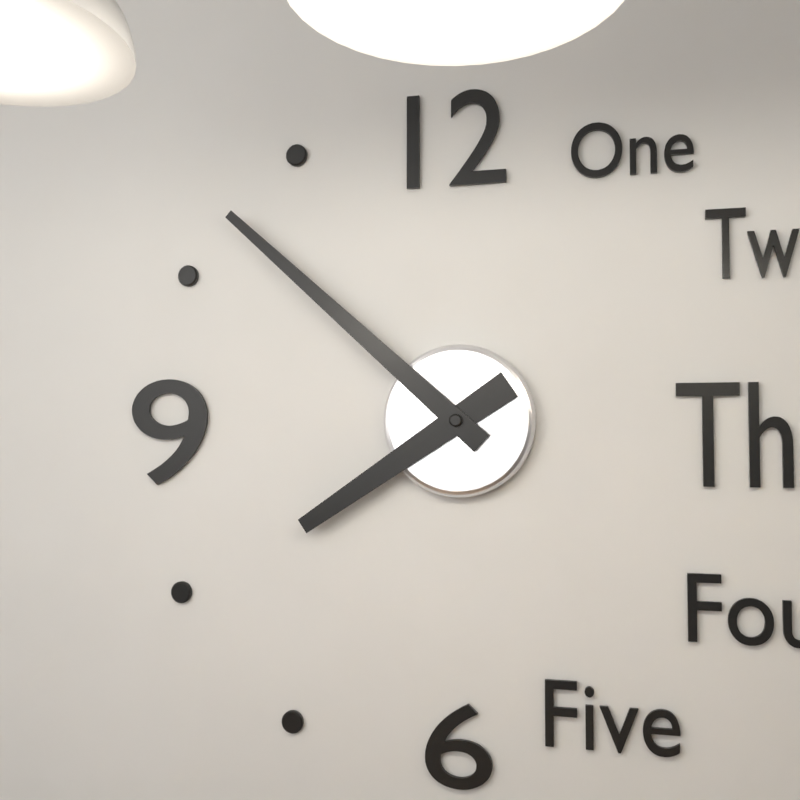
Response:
7,52
